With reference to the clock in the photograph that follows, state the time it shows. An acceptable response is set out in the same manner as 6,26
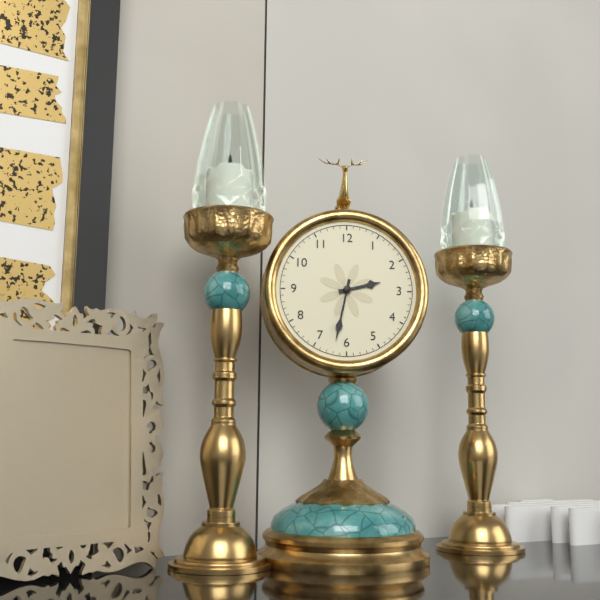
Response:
2,32
